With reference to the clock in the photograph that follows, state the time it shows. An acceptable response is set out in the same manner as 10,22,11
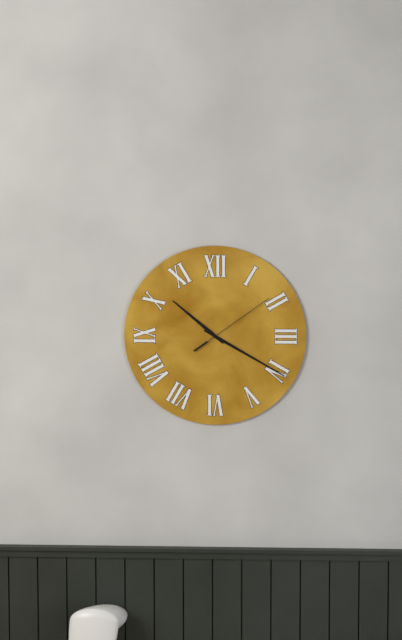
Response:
10,20,09
